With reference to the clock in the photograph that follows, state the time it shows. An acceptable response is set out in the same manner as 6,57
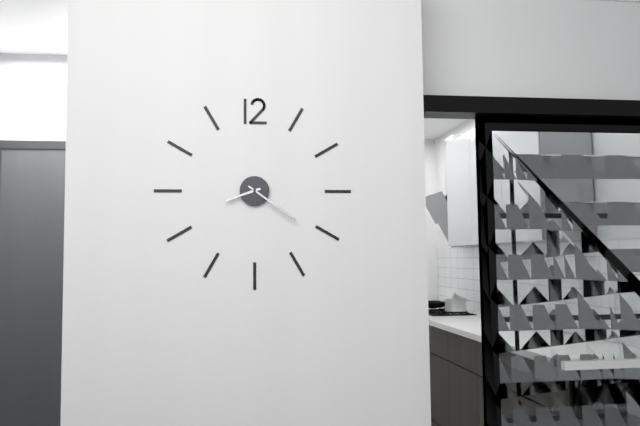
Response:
8,21
